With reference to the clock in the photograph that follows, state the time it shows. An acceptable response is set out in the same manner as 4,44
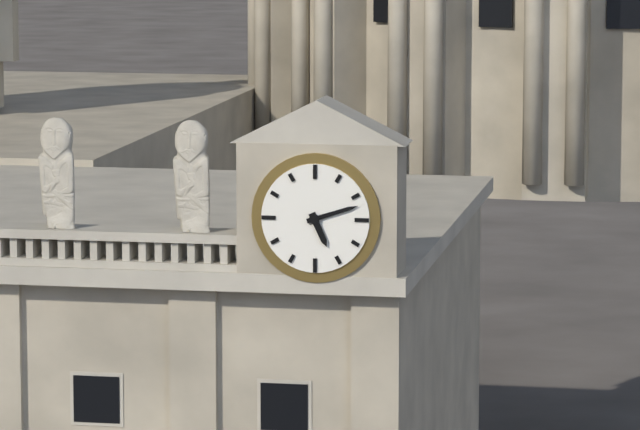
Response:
5,12
